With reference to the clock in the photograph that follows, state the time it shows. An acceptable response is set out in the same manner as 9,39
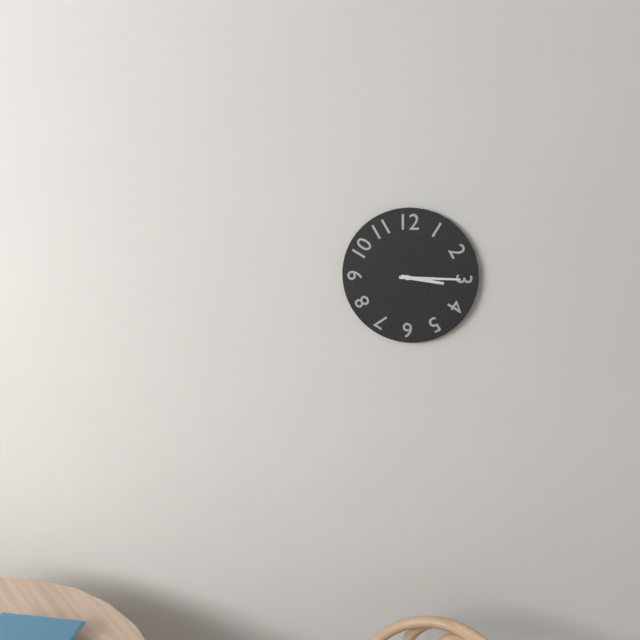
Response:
3,15
